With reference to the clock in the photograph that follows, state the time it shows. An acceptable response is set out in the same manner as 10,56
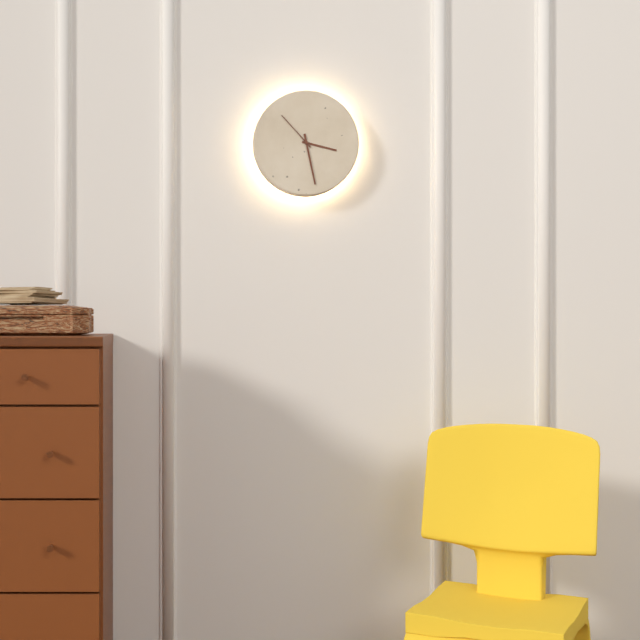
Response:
3,28
